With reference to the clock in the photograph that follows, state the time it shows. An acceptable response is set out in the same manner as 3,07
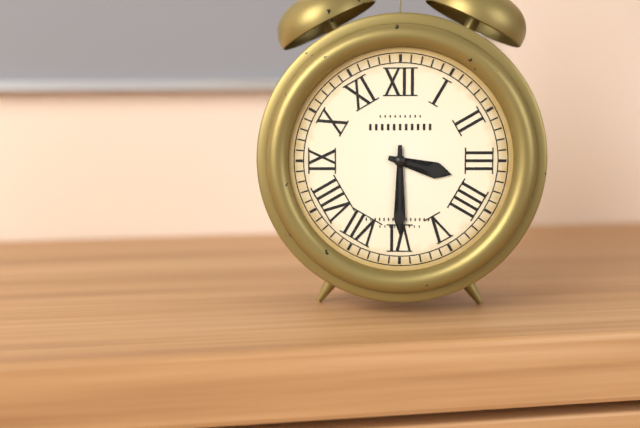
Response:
3,30
